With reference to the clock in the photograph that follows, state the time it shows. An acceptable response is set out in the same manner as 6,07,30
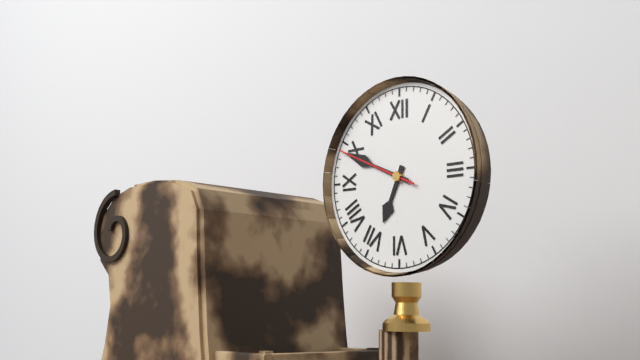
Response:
6,49,49
